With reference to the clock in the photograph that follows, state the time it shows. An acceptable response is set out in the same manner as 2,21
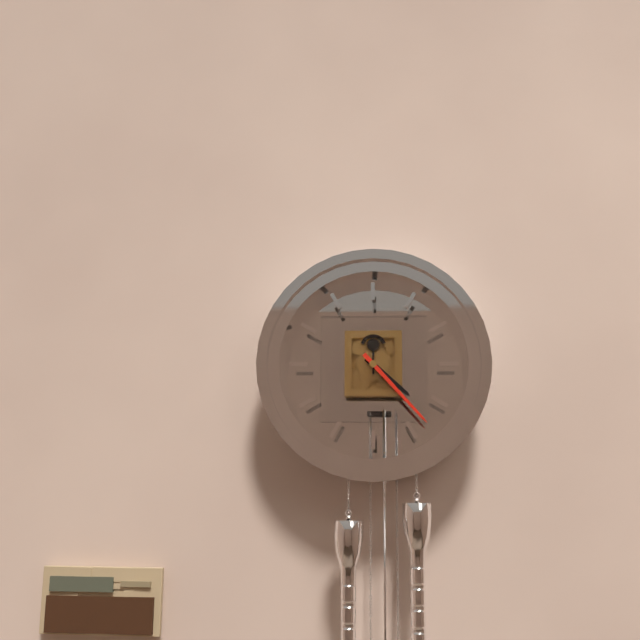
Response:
4,23
